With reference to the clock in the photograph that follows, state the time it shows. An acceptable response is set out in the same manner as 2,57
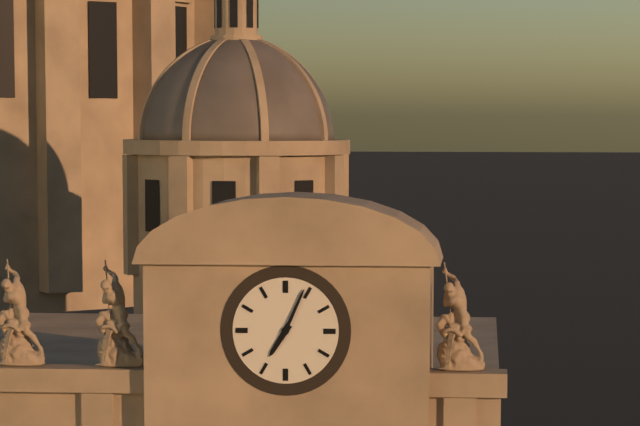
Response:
7,04
